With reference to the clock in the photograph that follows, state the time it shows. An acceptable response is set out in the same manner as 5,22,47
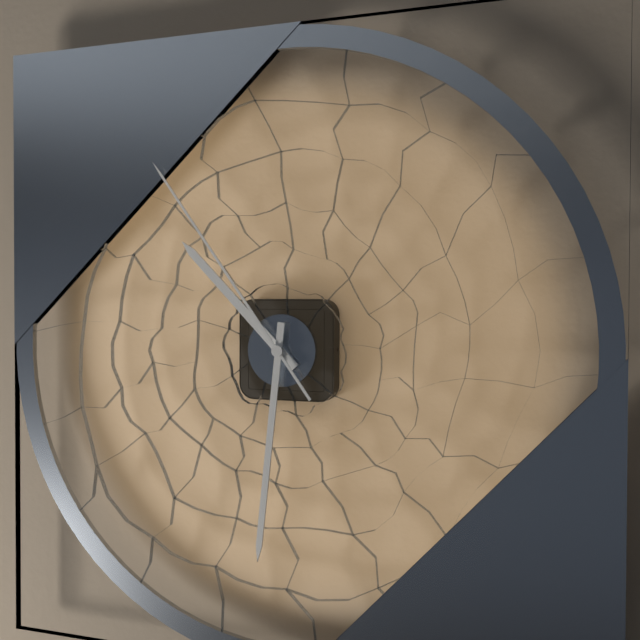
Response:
10,31,54
